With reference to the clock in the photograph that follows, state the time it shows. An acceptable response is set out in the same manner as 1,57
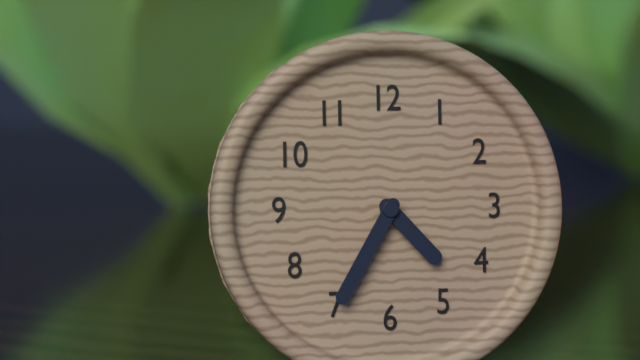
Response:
4,35
